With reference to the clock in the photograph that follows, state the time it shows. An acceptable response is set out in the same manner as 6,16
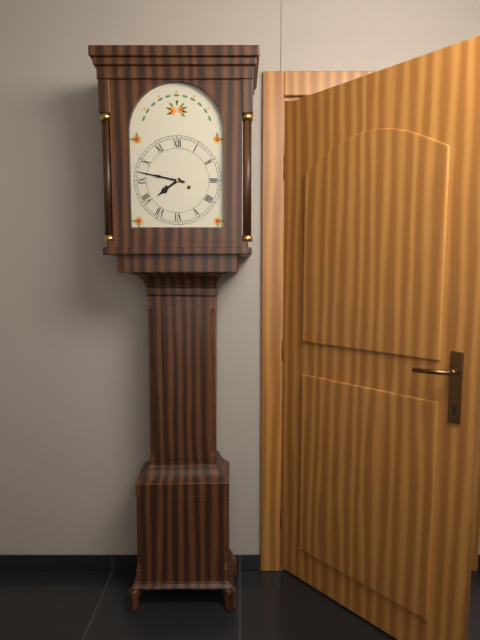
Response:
7,47
